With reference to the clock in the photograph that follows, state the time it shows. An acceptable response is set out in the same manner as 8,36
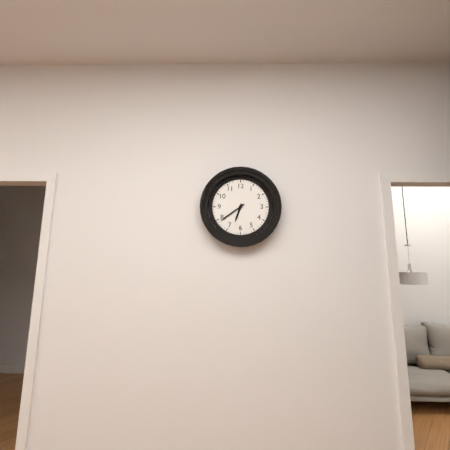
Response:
6,39
